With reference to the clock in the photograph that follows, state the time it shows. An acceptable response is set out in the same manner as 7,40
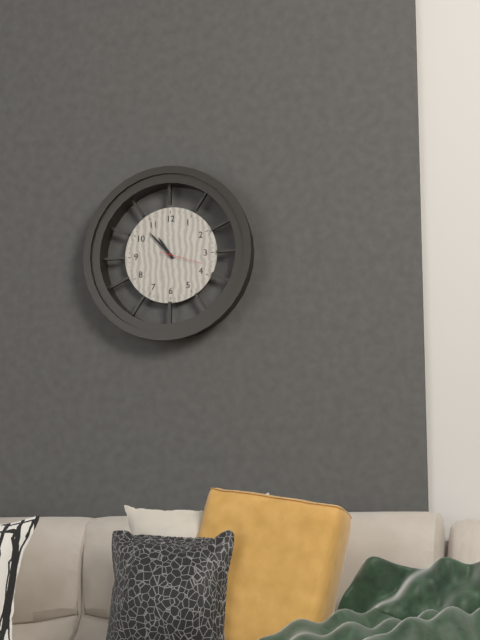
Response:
10,53
